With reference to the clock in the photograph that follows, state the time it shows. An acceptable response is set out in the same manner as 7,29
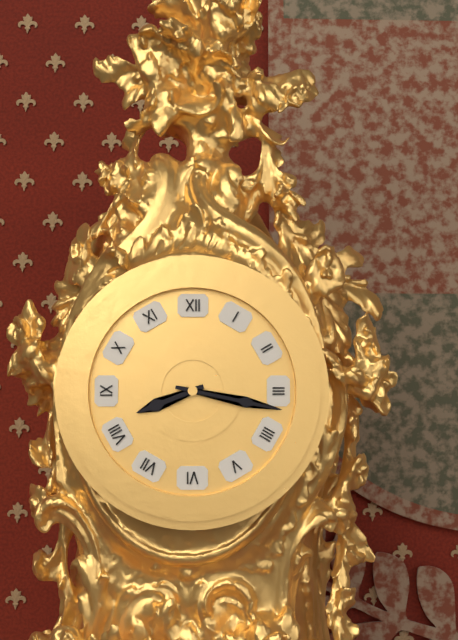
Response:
8,17
